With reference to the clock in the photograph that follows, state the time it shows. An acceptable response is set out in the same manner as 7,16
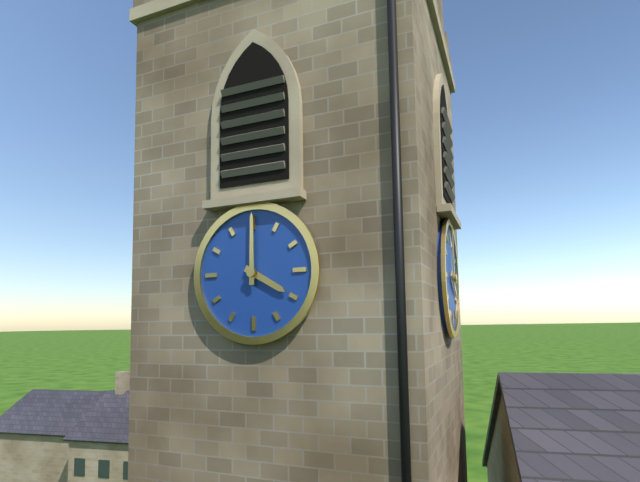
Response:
4,00
